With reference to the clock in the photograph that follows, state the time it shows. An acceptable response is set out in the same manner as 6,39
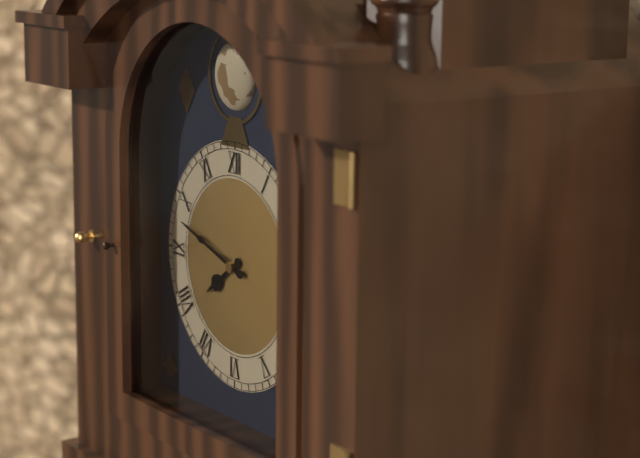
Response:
7,48
